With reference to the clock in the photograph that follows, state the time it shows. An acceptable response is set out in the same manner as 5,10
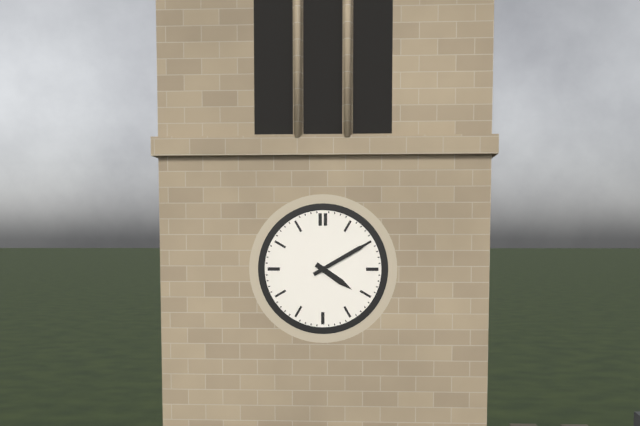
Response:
4,10
